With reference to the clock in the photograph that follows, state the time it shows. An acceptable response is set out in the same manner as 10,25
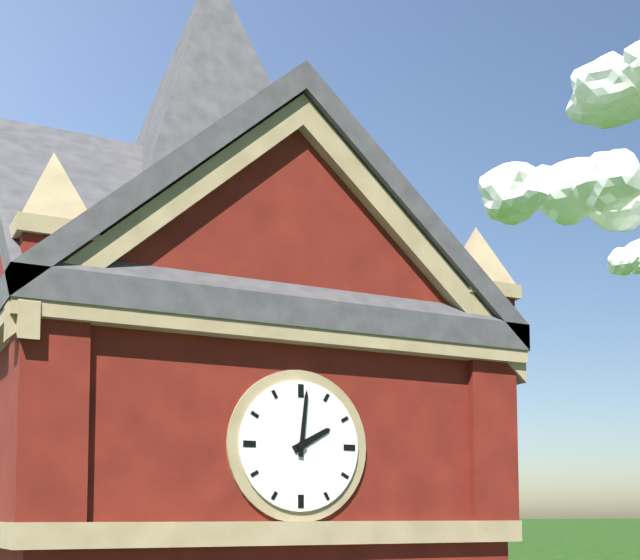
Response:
2,01
